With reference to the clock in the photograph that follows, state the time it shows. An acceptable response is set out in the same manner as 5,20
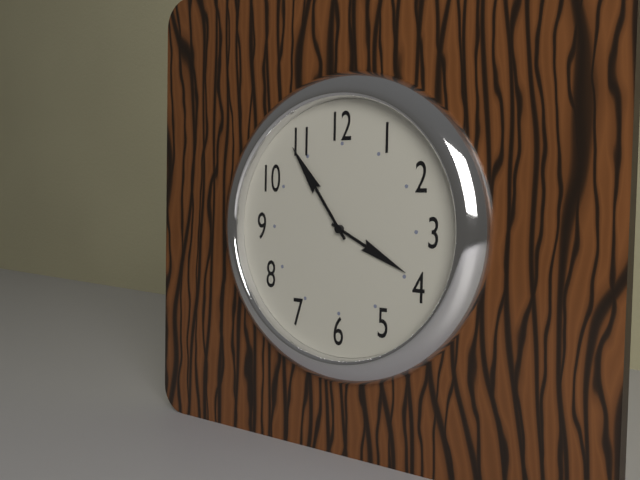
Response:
3,54
